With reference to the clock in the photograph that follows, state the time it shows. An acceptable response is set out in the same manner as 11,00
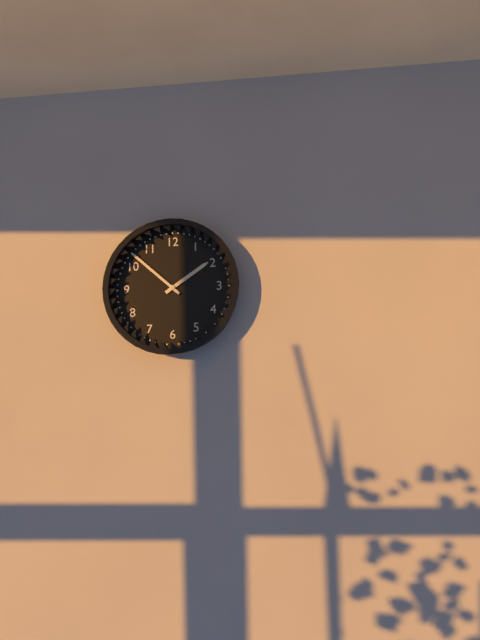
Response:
1,52
